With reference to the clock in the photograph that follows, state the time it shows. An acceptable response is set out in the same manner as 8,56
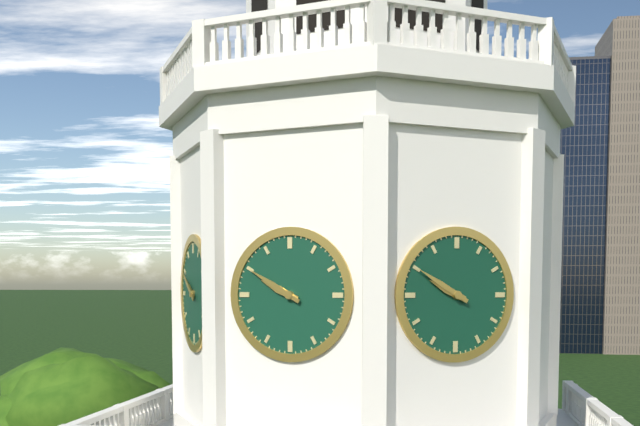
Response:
9,50
